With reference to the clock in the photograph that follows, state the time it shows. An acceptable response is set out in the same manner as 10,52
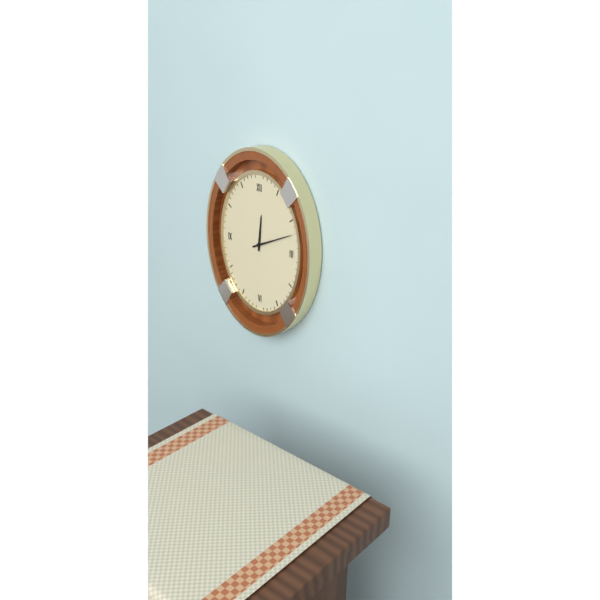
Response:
12,11
